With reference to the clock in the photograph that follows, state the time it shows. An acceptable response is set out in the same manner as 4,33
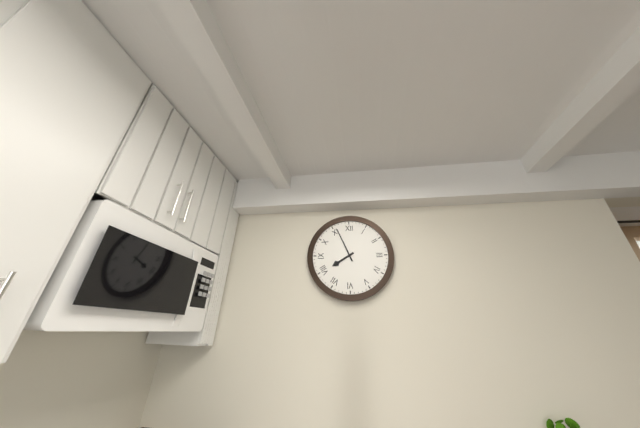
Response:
7,56
